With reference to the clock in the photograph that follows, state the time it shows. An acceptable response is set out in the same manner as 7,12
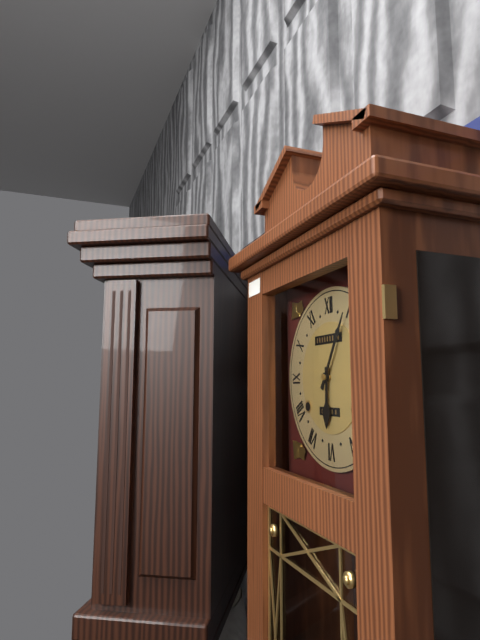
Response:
6,05
